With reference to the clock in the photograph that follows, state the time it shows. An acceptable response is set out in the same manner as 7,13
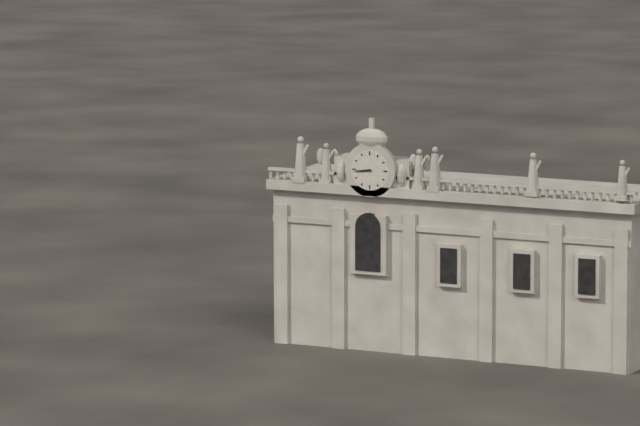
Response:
8,44
